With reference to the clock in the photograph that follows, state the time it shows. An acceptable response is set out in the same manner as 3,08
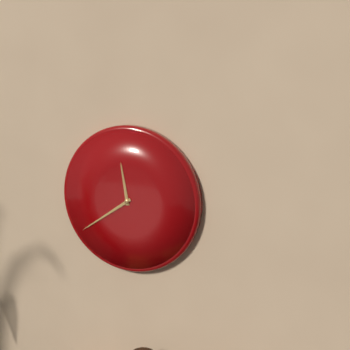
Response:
11,39
